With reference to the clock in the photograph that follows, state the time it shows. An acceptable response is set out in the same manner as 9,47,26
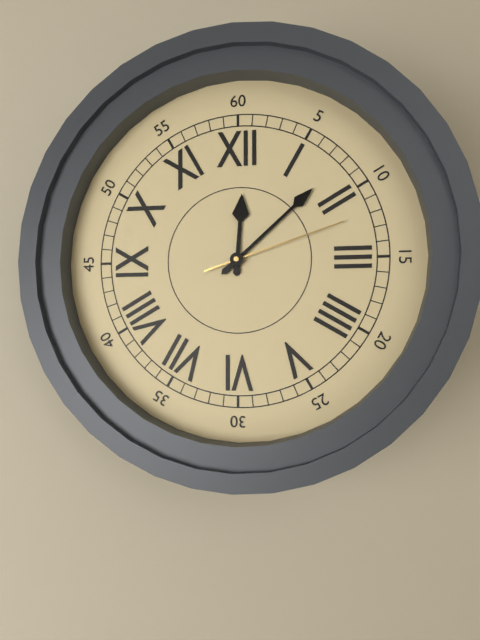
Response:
12,08,12
